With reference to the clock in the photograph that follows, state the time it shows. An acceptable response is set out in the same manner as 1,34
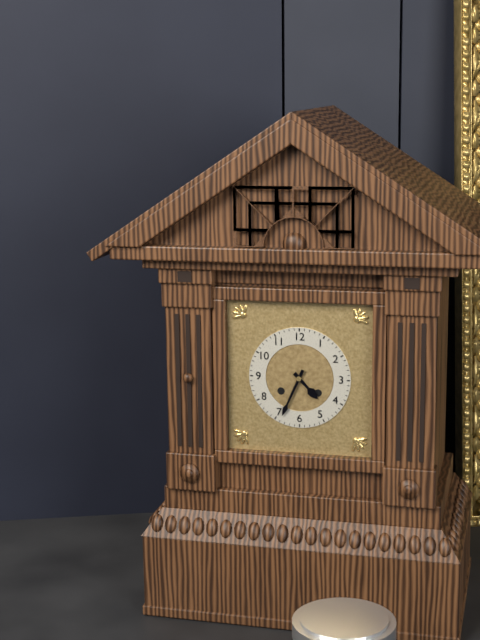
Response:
4,34
